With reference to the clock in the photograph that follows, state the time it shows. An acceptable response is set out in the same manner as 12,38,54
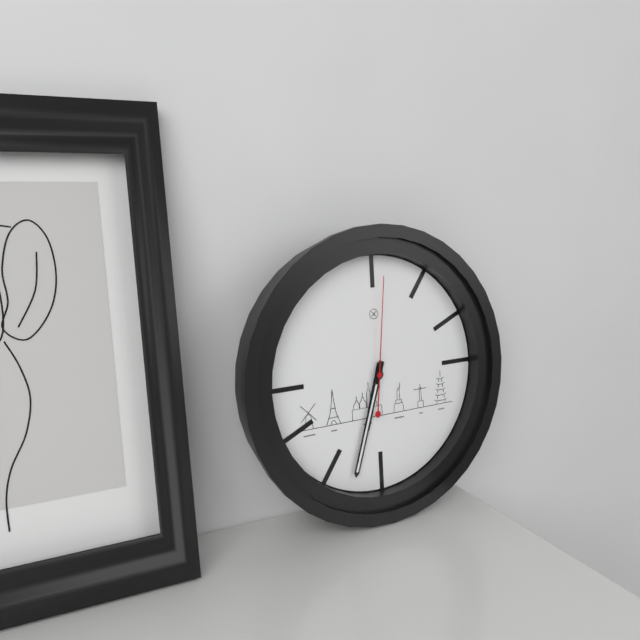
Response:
6,33,01
